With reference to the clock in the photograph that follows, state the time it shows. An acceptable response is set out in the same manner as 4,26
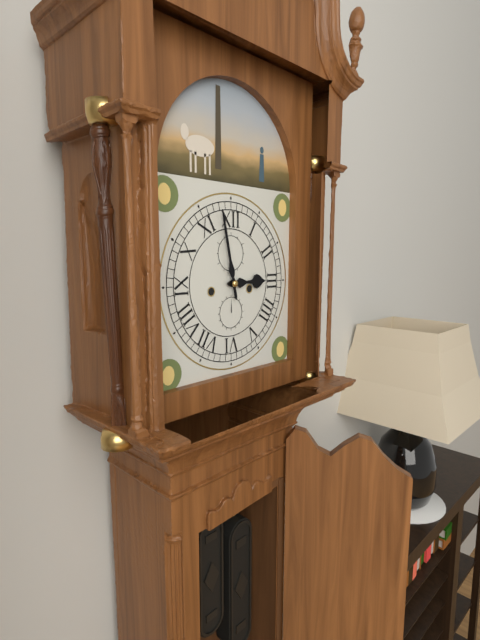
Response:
2,58
